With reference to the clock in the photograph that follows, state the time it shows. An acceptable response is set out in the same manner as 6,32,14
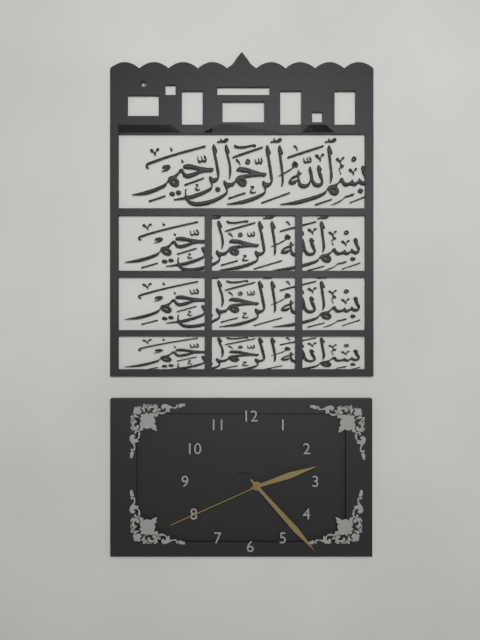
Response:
2,23,41
